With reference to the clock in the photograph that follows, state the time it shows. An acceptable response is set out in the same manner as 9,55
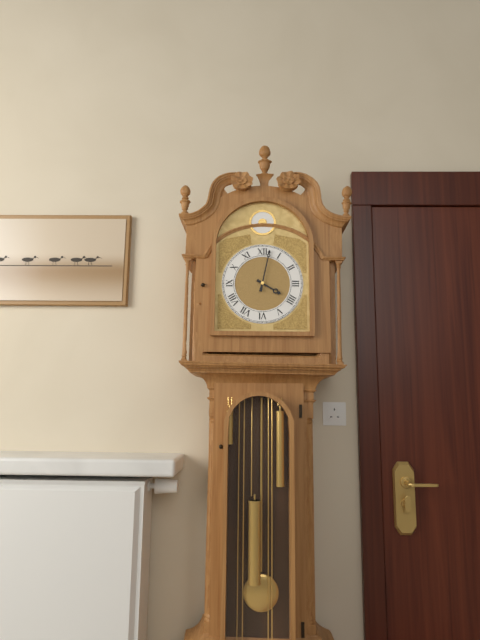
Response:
4,02
